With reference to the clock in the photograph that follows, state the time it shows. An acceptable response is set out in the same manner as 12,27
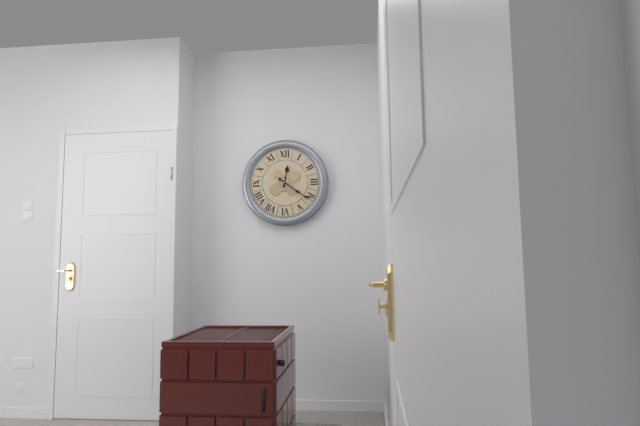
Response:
12,21
